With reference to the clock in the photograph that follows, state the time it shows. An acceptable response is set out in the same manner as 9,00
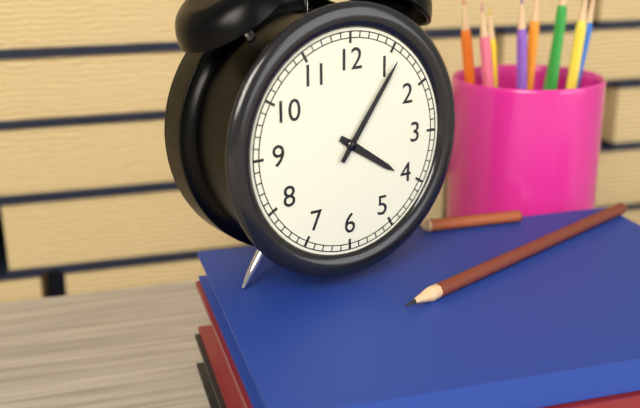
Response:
4,06
